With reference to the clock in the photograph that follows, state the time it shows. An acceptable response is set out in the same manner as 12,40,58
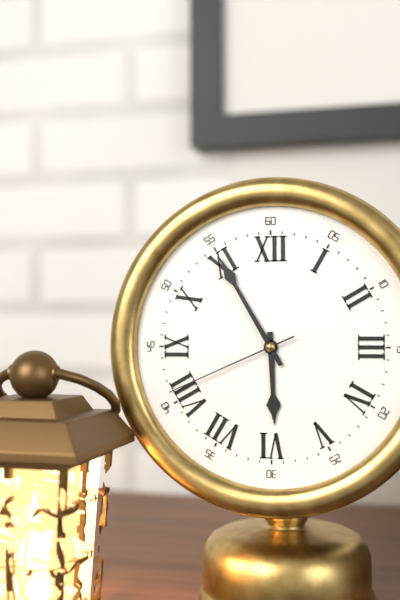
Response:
5,55,41
